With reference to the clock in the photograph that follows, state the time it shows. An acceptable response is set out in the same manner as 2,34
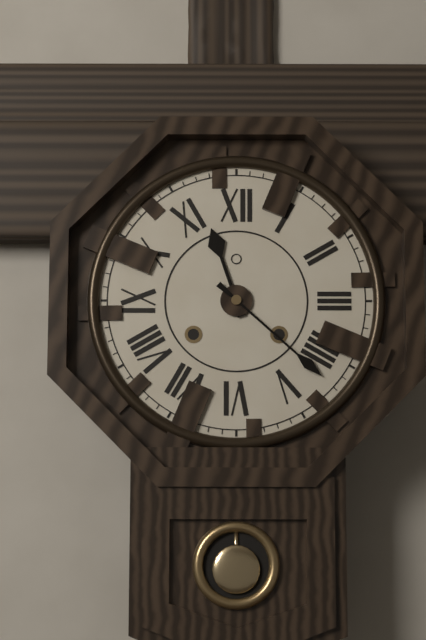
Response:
11,22
